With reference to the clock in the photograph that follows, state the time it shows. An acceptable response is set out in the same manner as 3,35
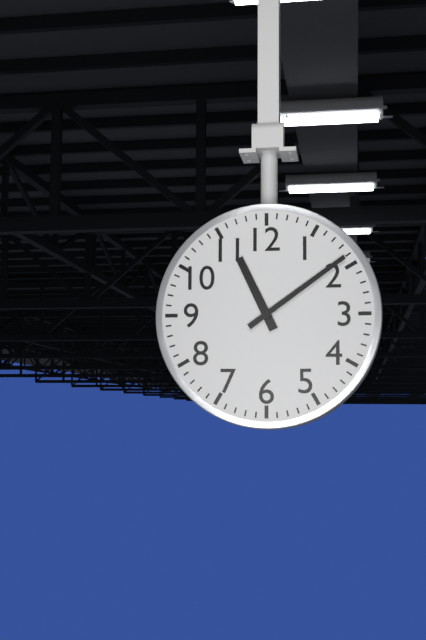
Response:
11,09
